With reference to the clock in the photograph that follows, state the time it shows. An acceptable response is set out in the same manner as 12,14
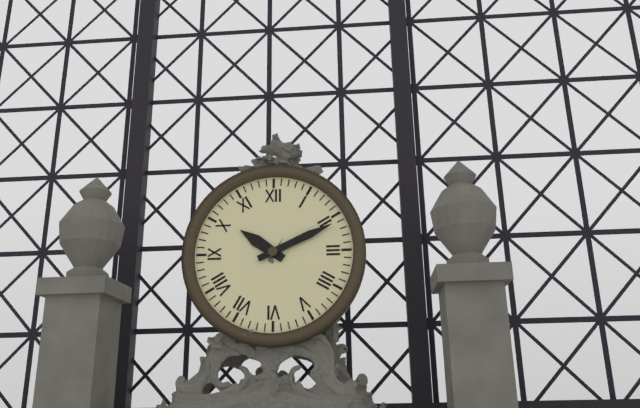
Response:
10,11
